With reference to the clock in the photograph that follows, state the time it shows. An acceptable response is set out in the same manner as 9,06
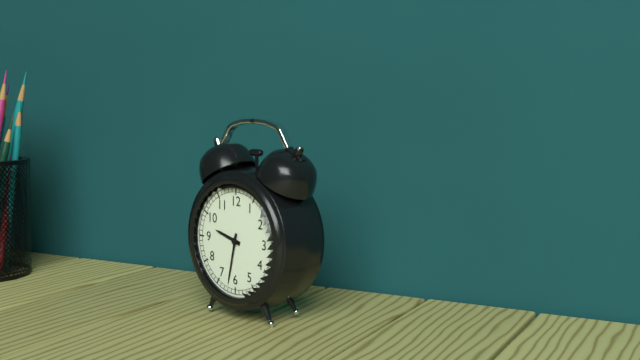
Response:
9,32
